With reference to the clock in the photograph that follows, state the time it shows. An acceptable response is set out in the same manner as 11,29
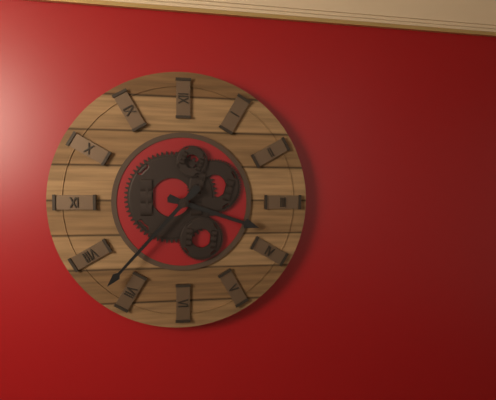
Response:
3,37
